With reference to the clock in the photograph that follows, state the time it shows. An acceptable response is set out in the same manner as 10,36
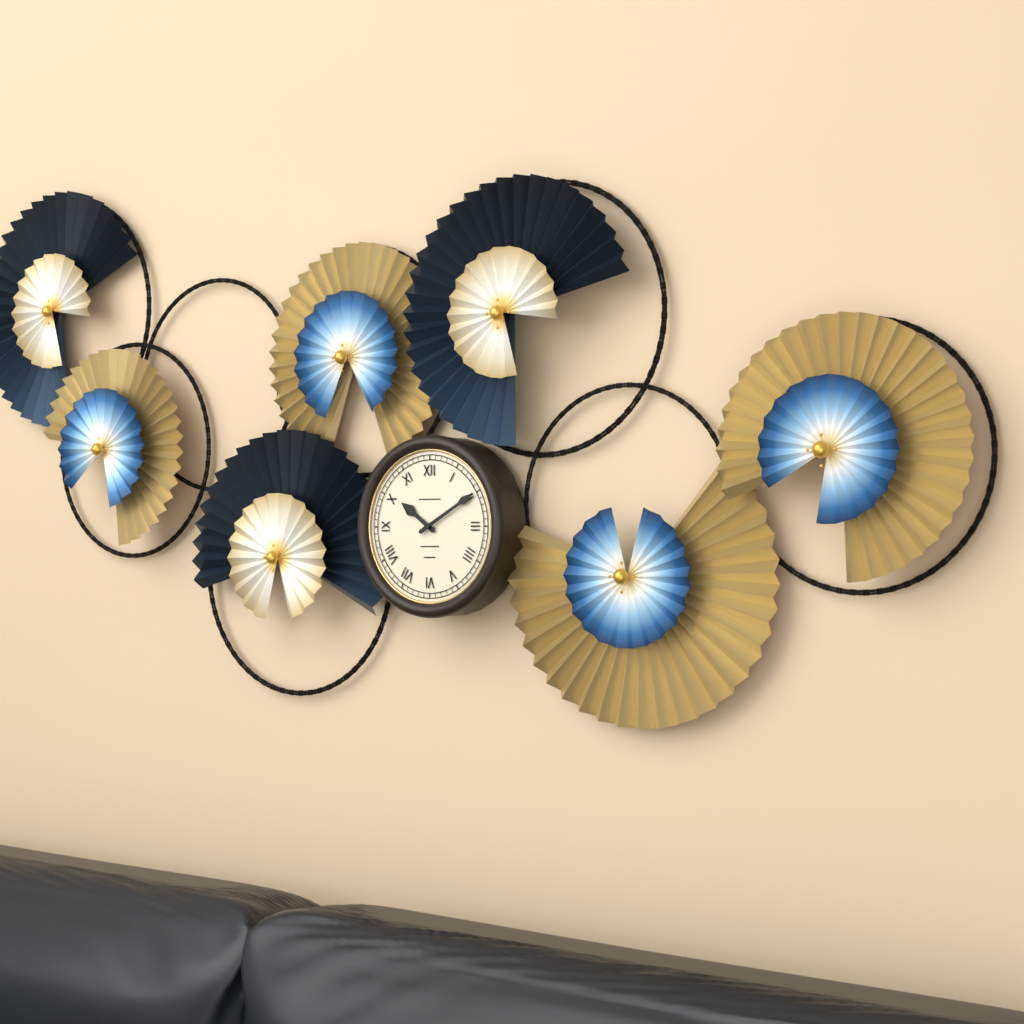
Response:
10,10
